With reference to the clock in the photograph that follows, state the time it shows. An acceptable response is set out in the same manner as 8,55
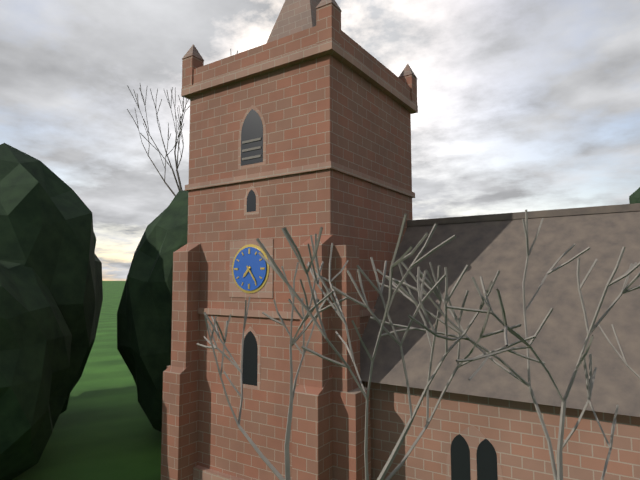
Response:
7,24
